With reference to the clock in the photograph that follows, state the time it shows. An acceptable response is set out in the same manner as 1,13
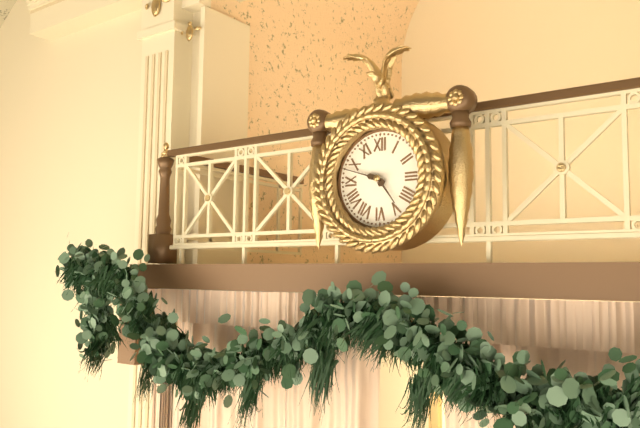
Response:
4,48
